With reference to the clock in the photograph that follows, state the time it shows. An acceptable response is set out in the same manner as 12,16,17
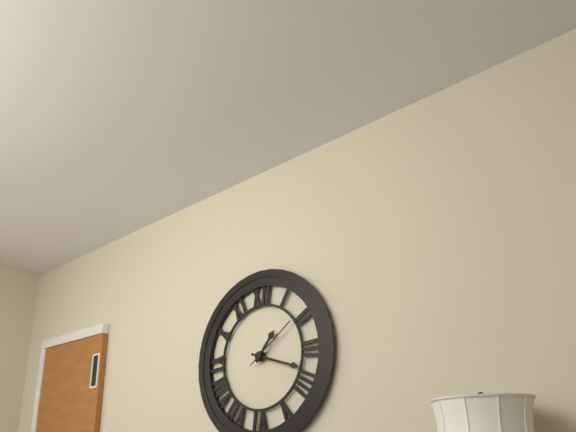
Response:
1,18,09
